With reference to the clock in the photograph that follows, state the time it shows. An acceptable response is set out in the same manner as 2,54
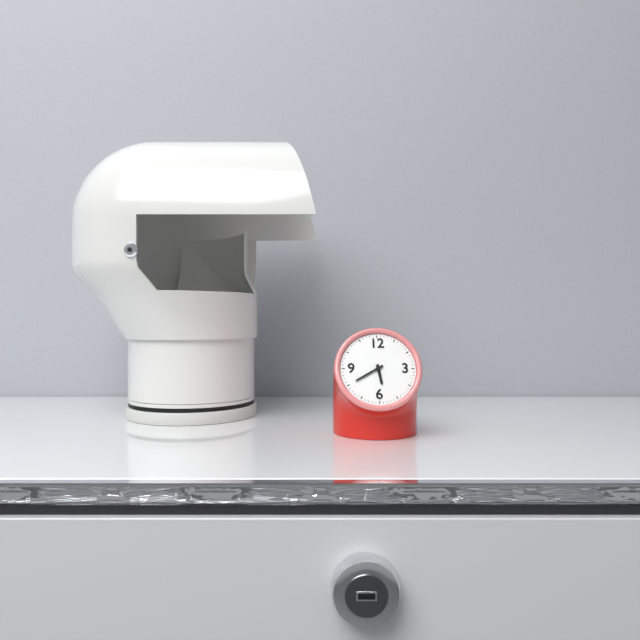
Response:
5,40
